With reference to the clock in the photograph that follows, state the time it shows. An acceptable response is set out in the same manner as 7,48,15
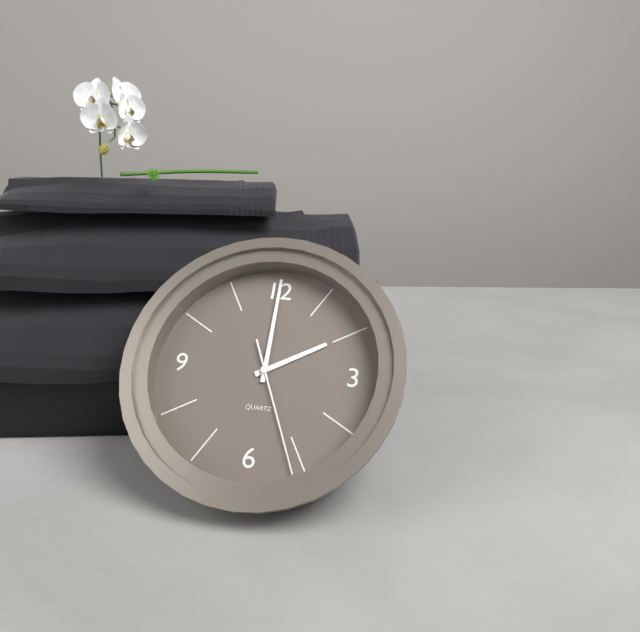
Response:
2,00,26
